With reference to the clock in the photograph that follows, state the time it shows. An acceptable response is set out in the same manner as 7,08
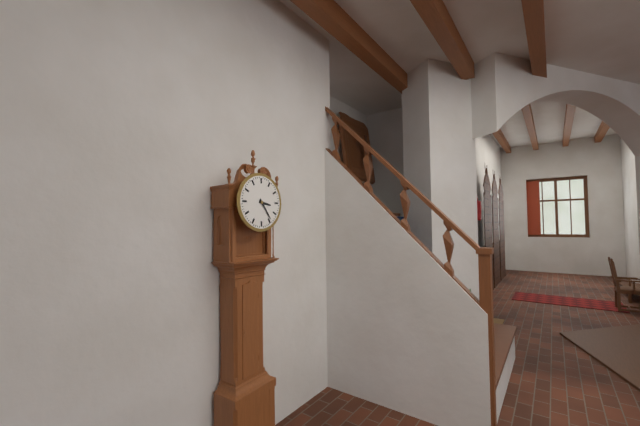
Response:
3,24
